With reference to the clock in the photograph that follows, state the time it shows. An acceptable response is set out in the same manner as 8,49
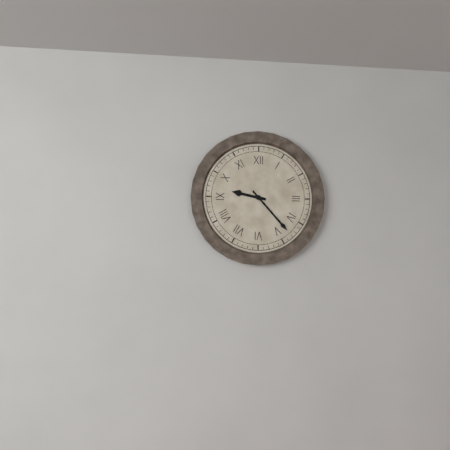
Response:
9,23
